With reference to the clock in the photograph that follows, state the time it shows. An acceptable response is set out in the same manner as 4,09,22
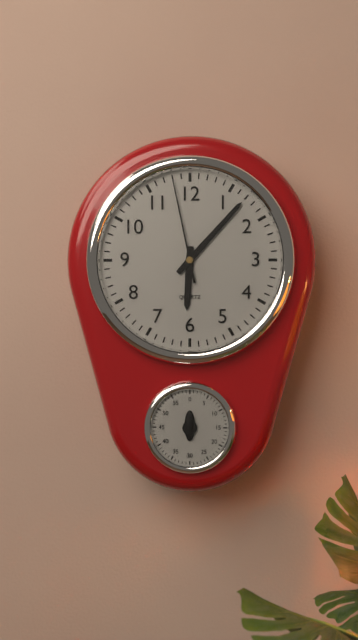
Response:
6,07,58
